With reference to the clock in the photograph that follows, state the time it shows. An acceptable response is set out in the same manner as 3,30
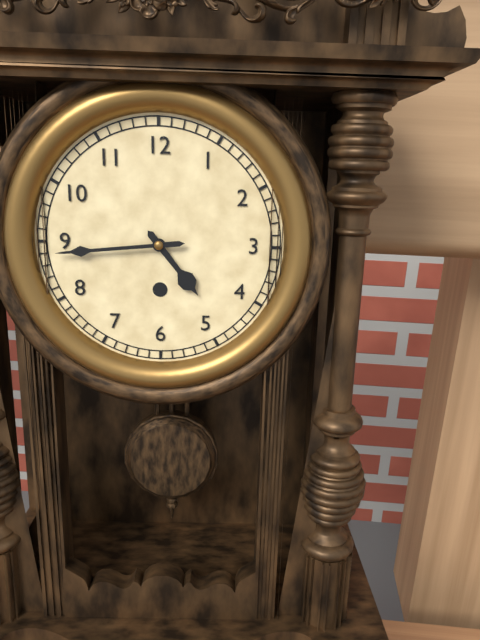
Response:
4,44
